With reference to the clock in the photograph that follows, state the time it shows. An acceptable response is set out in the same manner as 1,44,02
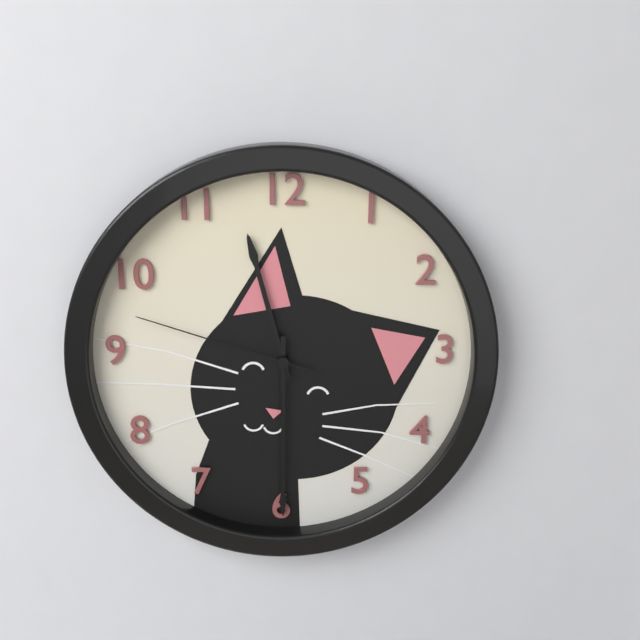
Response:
11,30,48
